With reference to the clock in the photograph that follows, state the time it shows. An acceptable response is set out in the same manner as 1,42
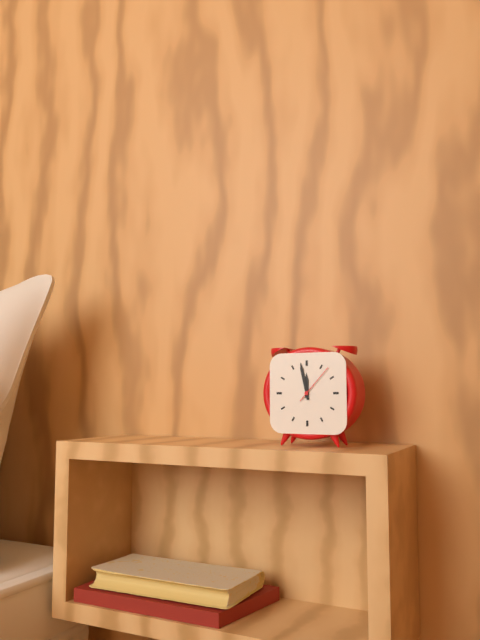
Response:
11,58
